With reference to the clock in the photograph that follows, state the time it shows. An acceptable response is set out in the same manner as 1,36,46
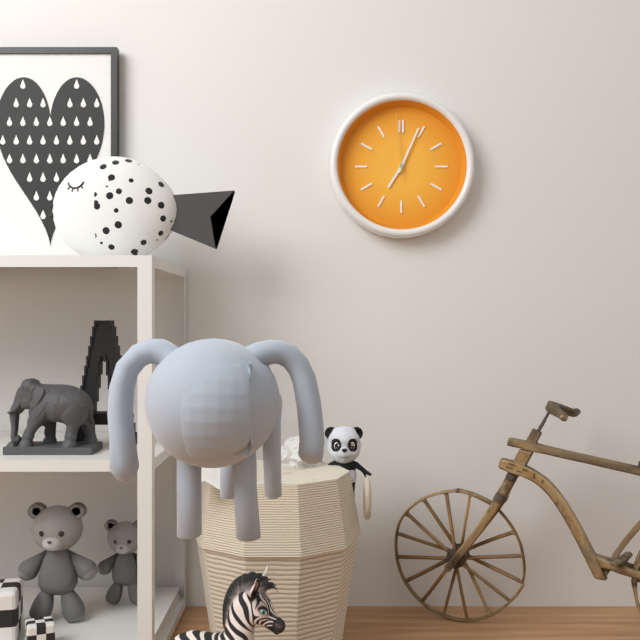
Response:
7,04,59
